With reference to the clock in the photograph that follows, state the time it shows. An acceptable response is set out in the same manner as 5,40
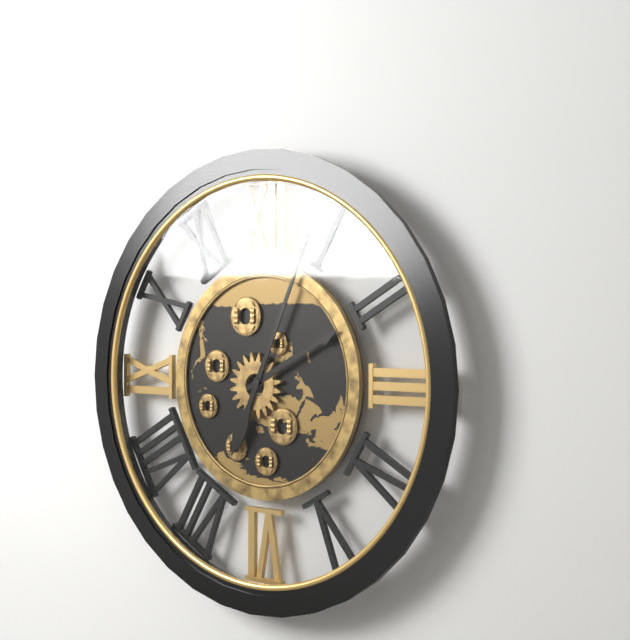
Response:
2,04
